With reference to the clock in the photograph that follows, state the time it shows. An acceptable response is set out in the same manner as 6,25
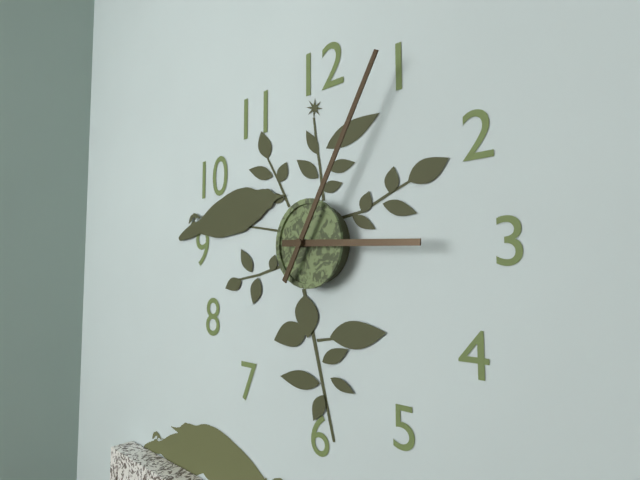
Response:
3,05
